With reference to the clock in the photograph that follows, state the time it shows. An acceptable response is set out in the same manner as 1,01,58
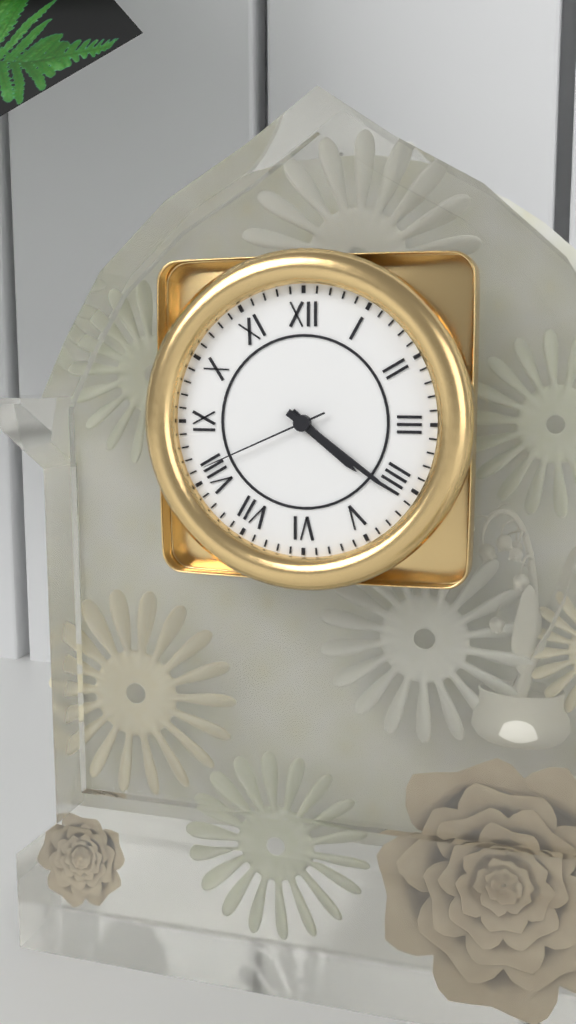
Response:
4,21,41
